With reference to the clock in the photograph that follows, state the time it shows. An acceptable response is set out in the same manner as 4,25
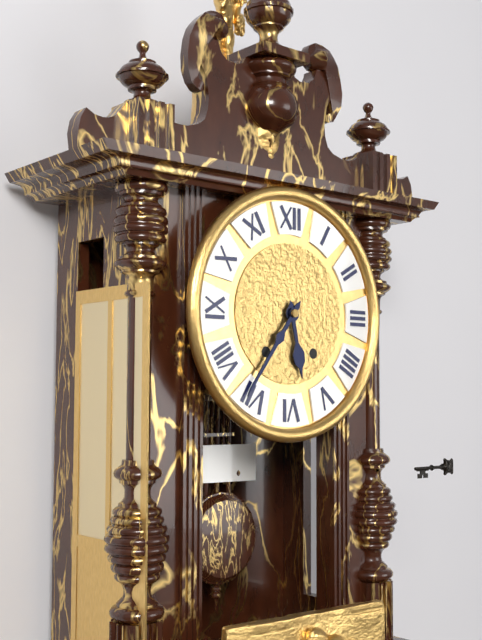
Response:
5,36
